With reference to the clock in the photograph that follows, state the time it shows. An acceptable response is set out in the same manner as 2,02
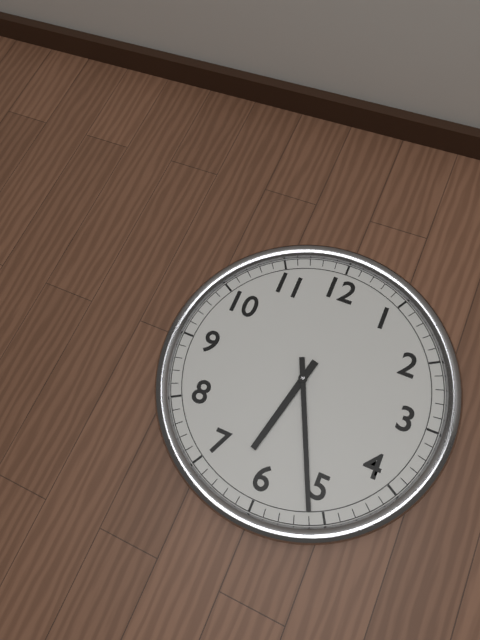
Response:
6,26
